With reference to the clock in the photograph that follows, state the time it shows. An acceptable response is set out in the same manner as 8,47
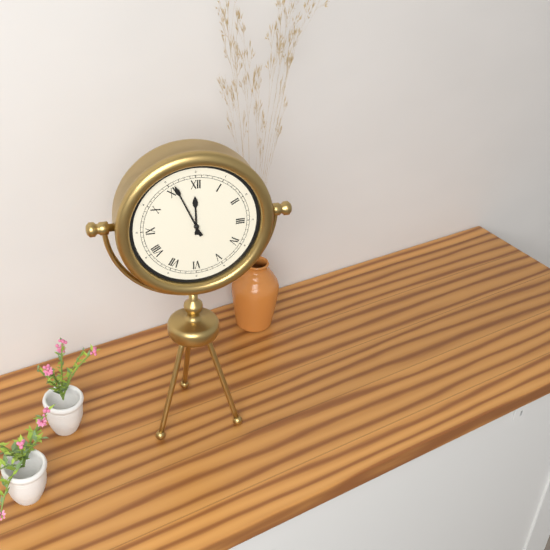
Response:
11,56
